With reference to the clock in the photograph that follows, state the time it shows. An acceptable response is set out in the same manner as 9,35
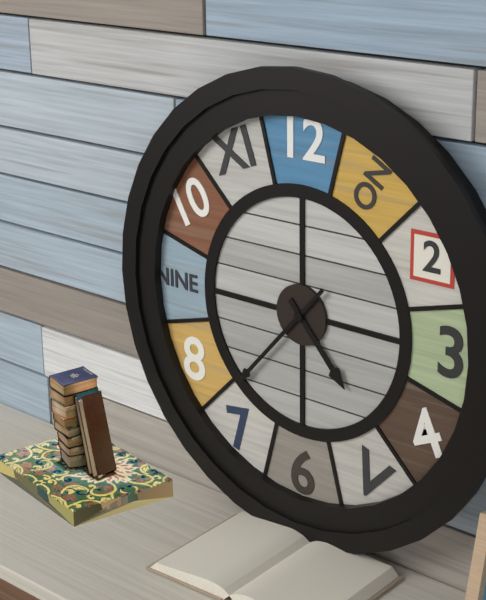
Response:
4,37
